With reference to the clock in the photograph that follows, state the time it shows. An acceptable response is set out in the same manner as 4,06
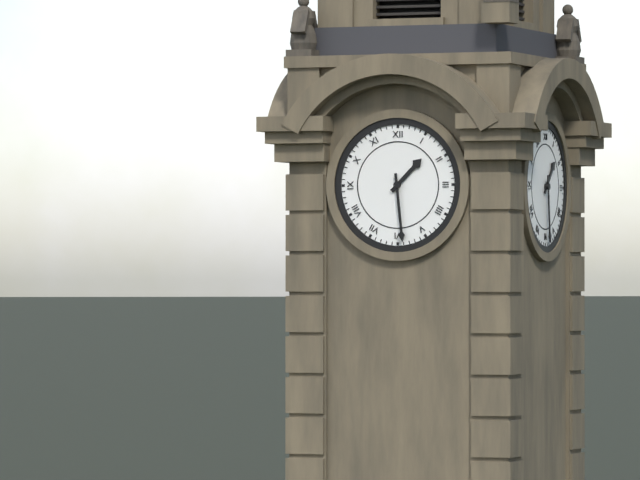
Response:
1,29
